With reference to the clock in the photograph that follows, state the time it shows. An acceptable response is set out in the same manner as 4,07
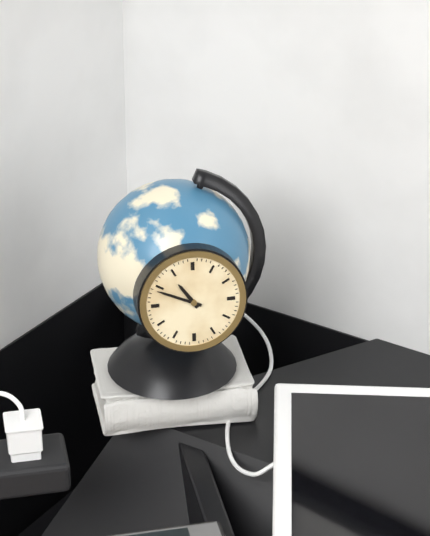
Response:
10,49
